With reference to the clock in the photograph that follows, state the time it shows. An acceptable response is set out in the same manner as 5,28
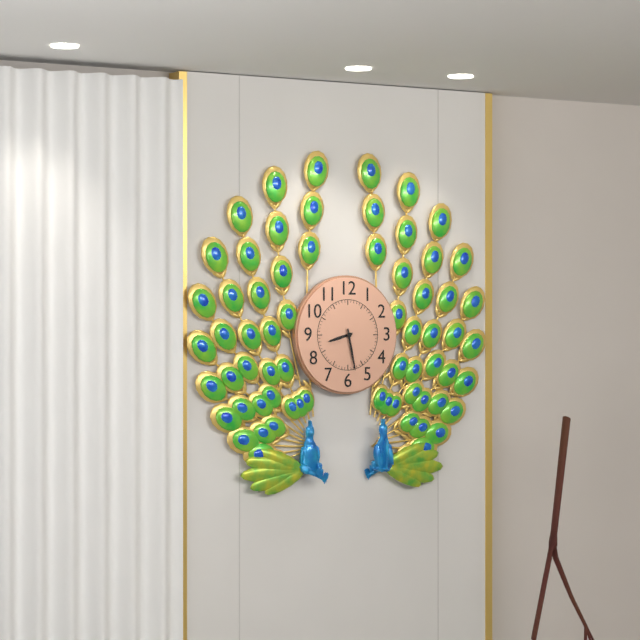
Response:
8,28
